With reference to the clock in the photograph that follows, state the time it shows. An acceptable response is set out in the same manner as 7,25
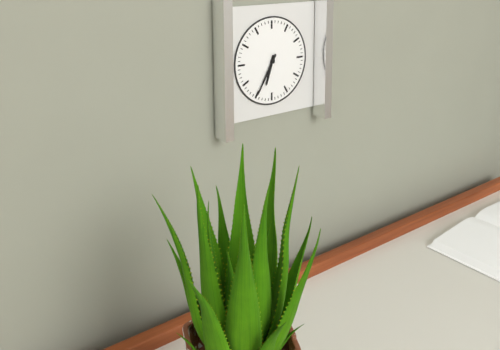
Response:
6,35
